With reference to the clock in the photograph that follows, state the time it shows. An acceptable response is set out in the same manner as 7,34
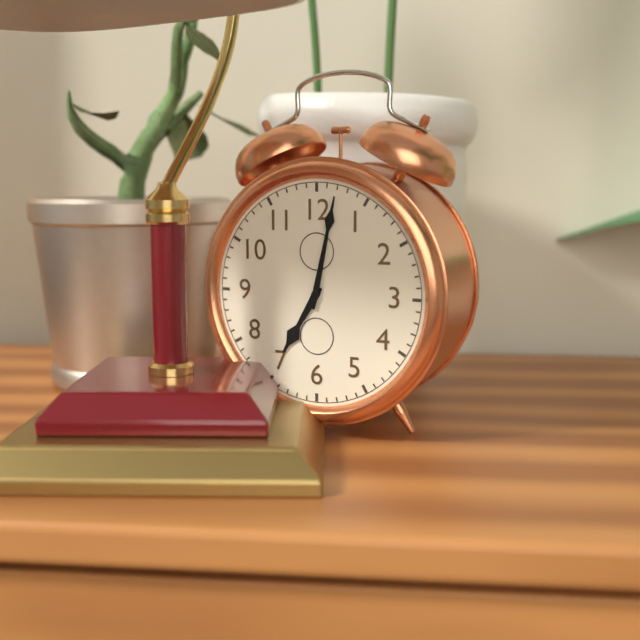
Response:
7,02
